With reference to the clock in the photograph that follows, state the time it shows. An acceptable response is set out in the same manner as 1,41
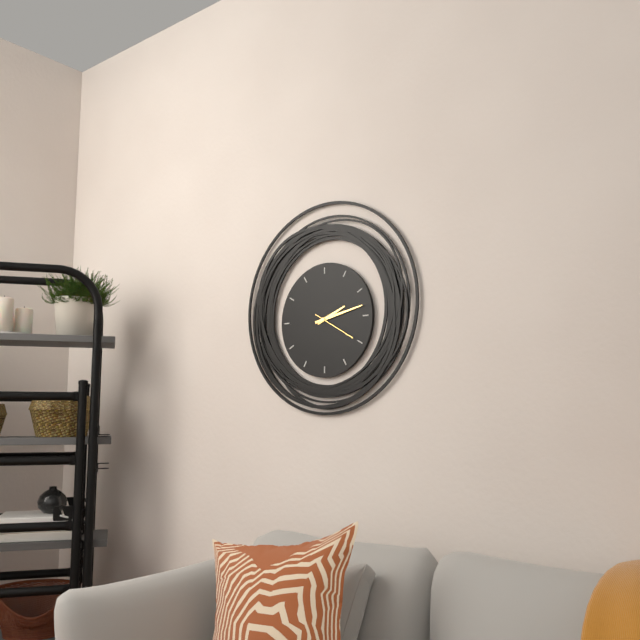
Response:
2,13
